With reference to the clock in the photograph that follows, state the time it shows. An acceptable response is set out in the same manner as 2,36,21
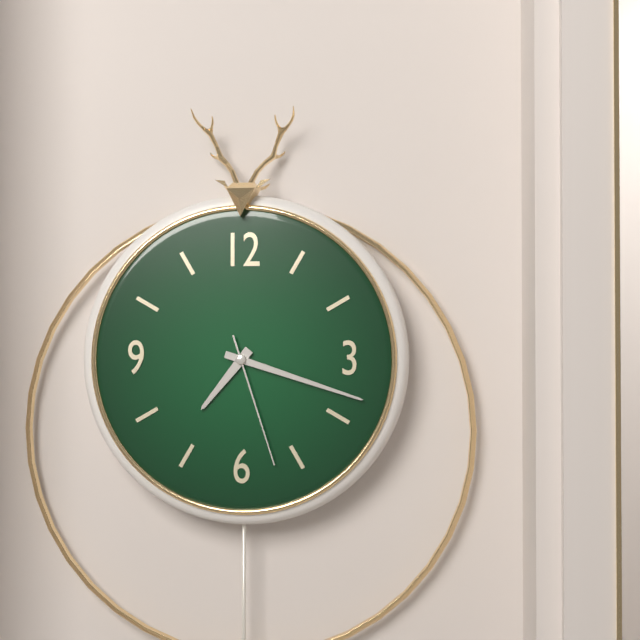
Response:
7,18,27
